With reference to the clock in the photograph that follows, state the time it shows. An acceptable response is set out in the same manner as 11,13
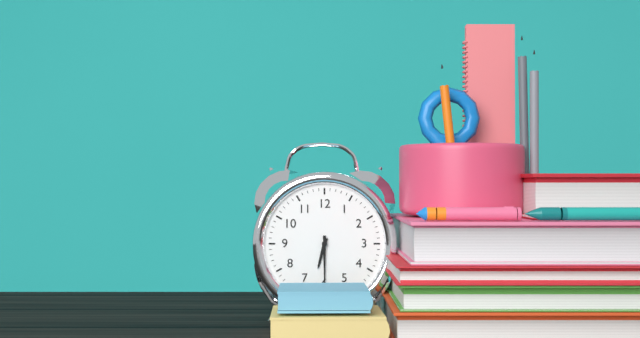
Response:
6,30
